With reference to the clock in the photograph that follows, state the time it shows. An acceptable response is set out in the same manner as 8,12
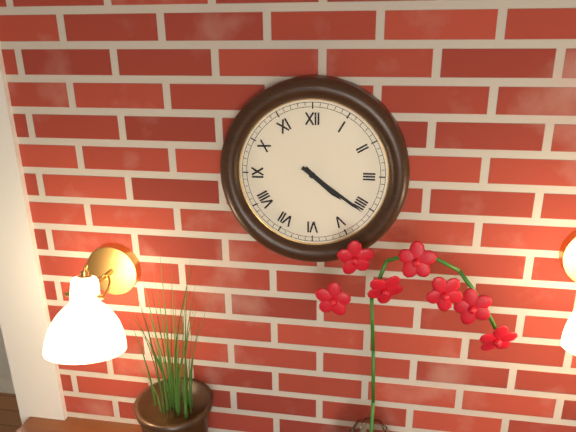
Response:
4,21
